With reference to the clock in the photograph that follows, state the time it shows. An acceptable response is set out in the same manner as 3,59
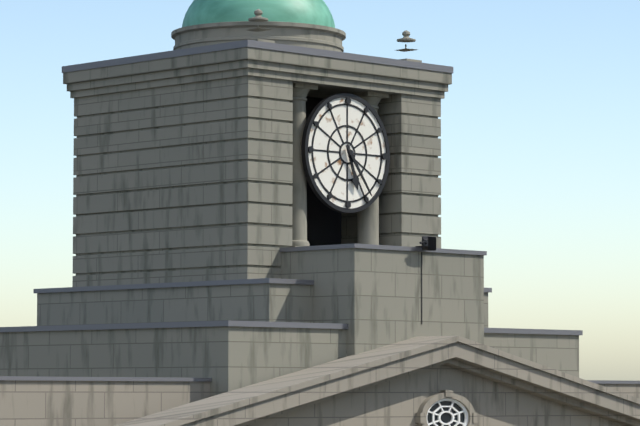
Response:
5,24
